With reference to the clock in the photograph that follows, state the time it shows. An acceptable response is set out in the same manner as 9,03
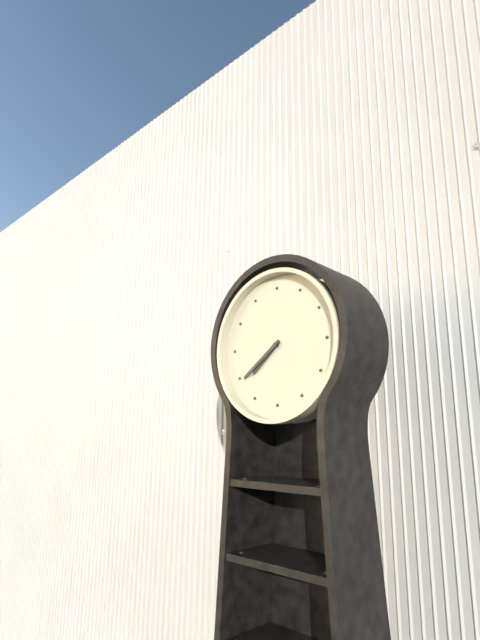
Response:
7,39
